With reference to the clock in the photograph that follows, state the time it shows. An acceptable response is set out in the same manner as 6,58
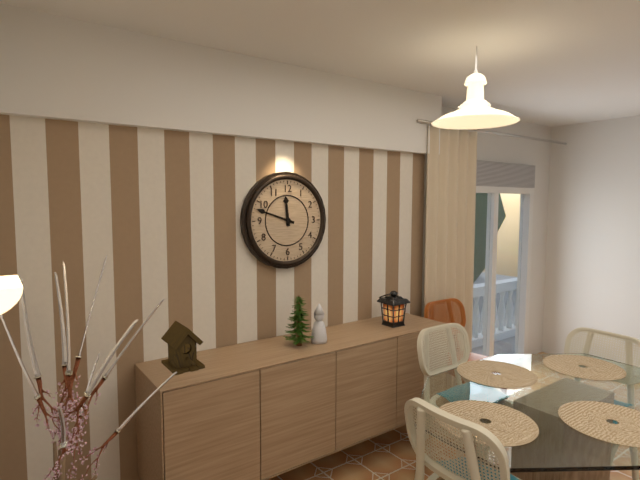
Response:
11,48
